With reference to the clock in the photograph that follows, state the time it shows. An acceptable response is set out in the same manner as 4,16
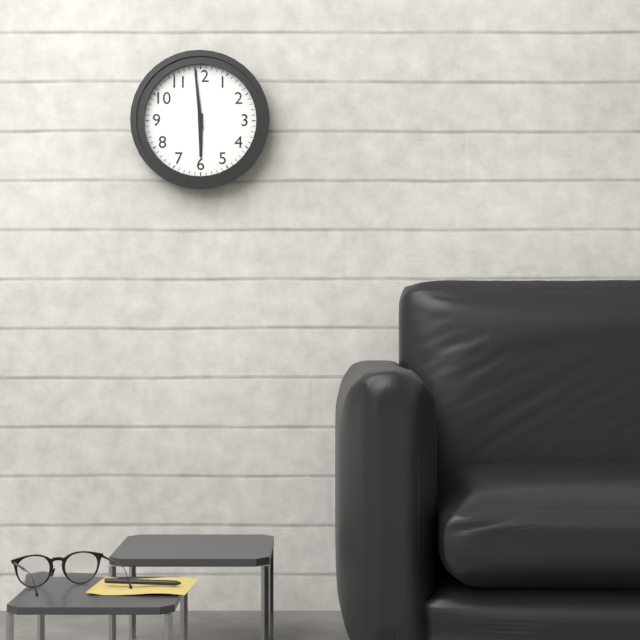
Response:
5,59
